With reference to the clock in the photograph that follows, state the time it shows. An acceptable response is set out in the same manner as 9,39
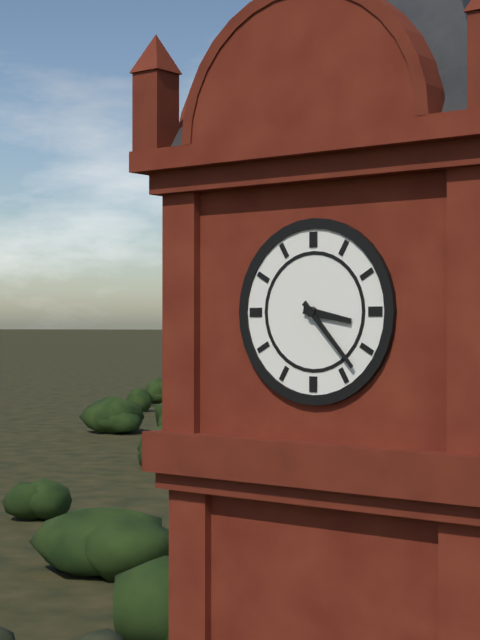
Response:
3,23
